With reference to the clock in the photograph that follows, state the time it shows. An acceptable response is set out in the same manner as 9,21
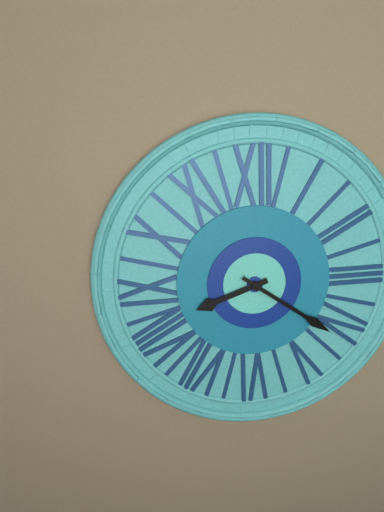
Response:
8,21
